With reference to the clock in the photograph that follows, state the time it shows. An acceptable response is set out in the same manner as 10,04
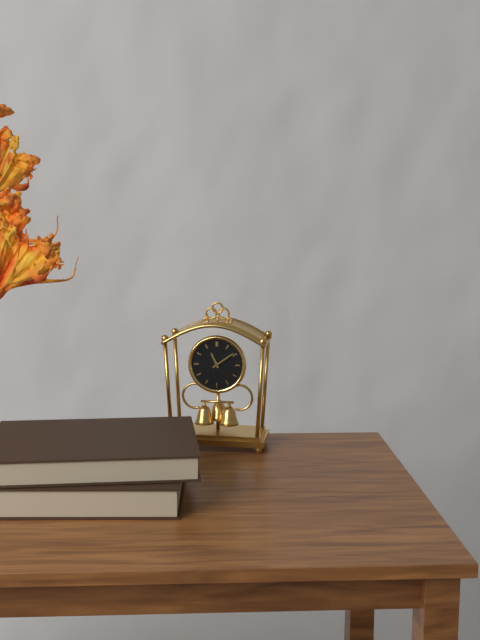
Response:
11,09
